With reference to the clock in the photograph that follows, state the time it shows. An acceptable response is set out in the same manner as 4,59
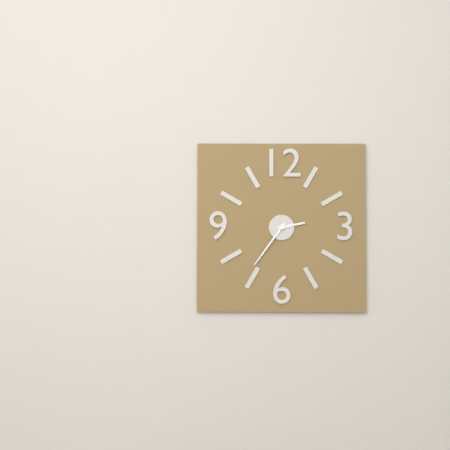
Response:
2,36
